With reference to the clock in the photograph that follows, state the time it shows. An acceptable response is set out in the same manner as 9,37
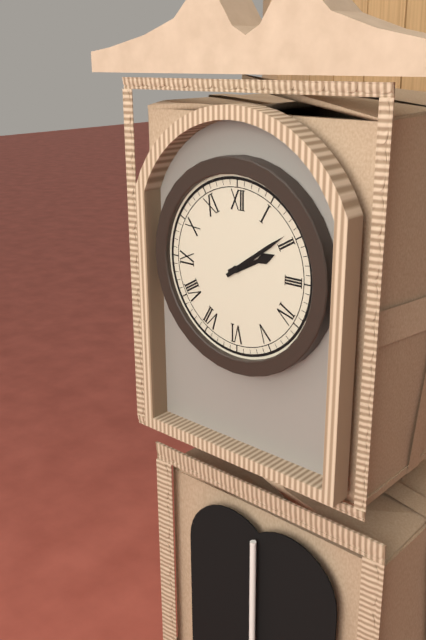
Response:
2,09
